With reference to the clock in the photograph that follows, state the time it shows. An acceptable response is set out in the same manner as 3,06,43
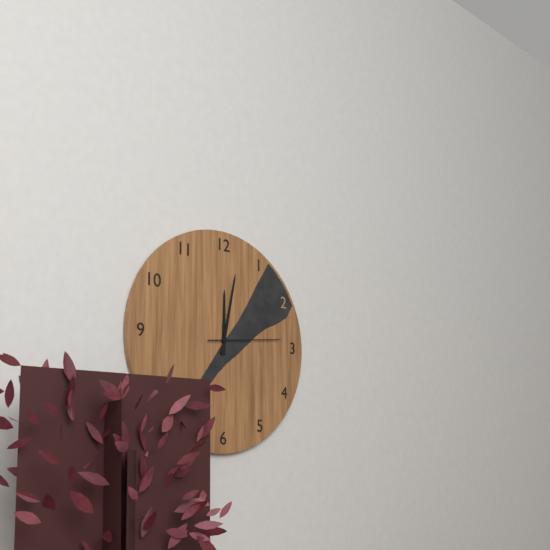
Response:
12,02,14
